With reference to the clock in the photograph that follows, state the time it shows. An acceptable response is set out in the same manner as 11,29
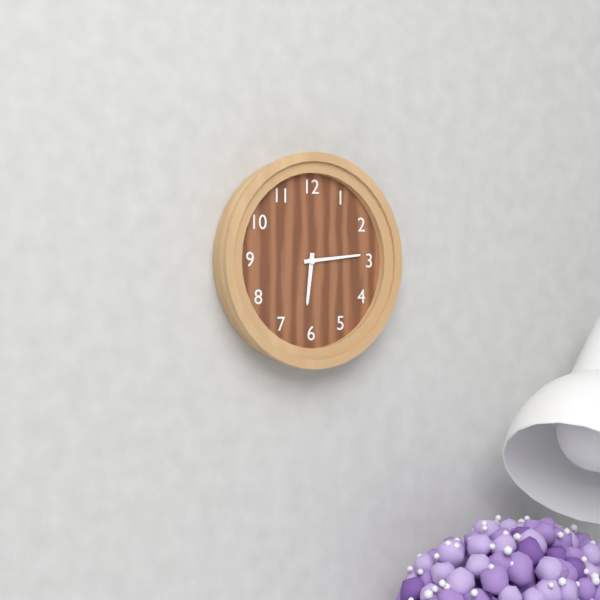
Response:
6,14
